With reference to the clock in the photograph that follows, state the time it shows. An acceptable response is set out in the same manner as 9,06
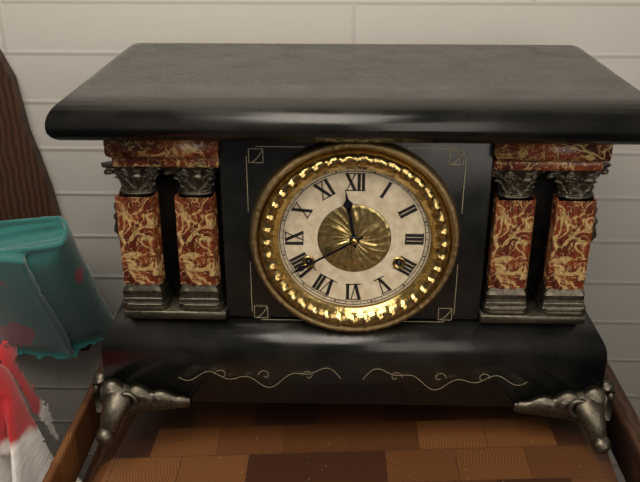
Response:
11,40
